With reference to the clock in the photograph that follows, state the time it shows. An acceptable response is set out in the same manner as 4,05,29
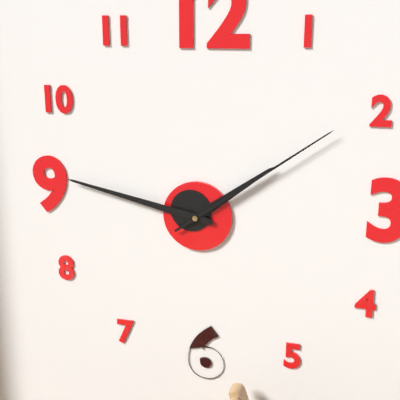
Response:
1,47,09
